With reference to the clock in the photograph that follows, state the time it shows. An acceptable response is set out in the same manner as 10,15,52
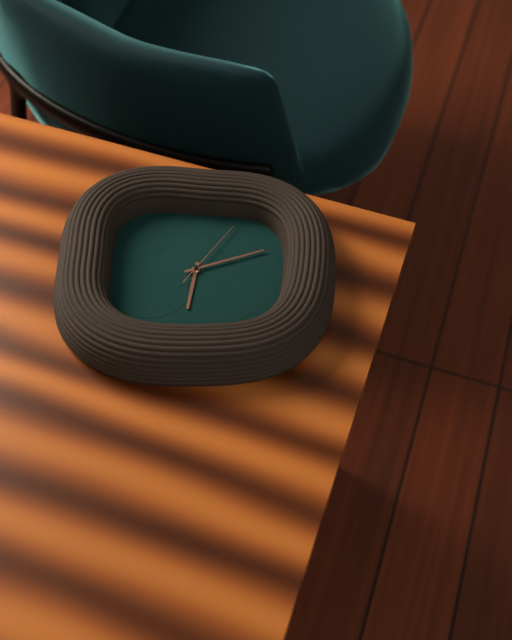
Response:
6,11,05
